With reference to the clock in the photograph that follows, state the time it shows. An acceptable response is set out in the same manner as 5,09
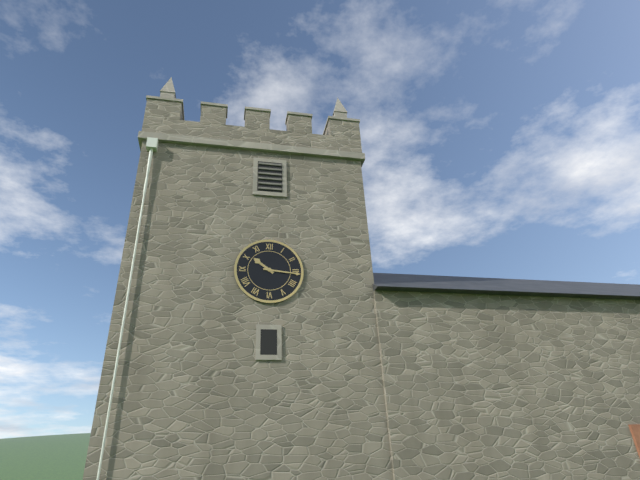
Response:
10,16
